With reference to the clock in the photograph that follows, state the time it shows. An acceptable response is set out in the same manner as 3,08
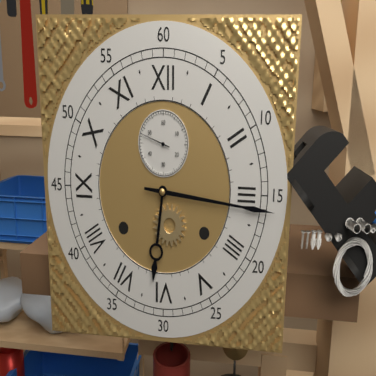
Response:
6,16
